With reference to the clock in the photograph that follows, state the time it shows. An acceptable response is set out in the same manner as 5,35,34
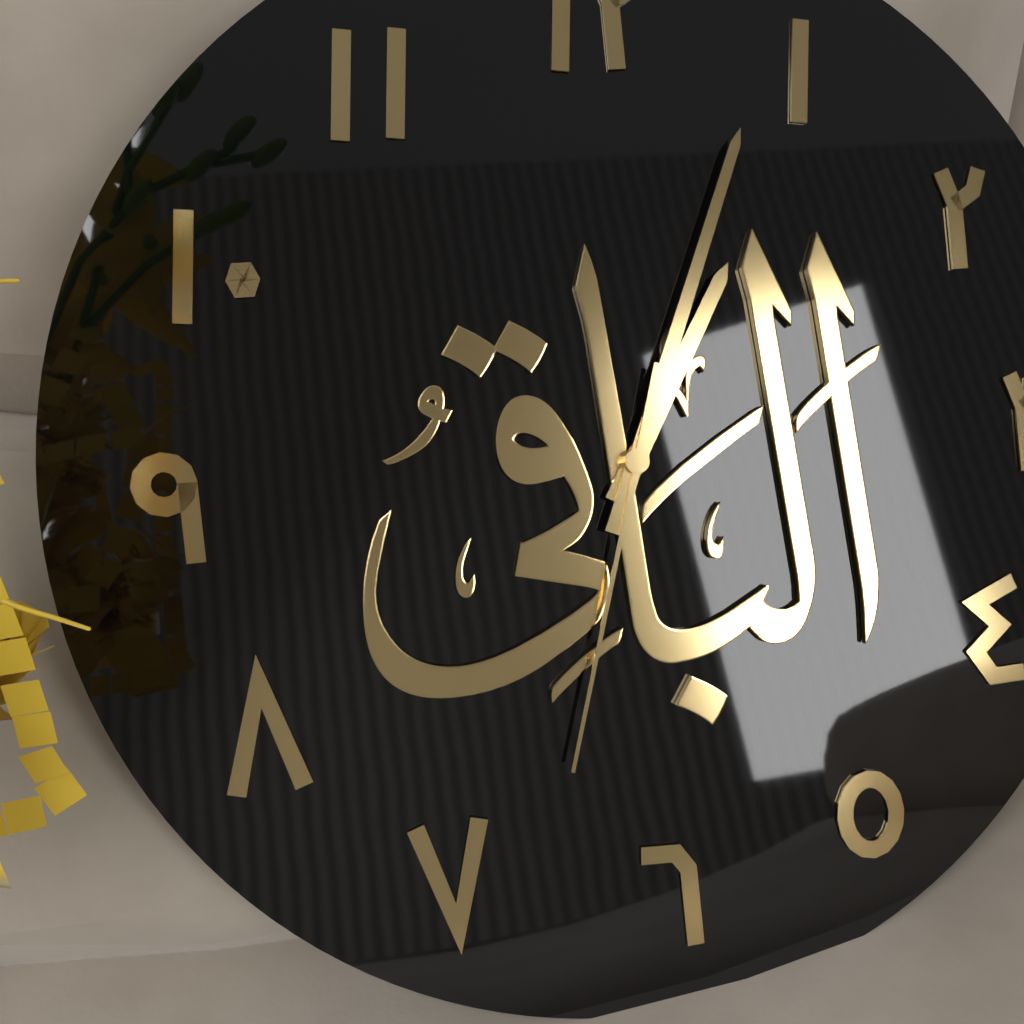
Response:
1,04,33
